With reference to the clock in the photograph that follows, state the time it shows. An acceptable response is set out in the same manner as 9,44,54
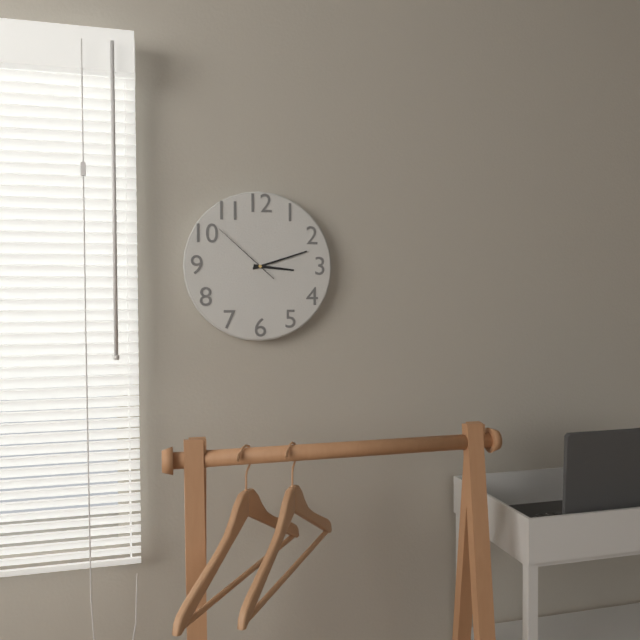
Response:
3,12,52
